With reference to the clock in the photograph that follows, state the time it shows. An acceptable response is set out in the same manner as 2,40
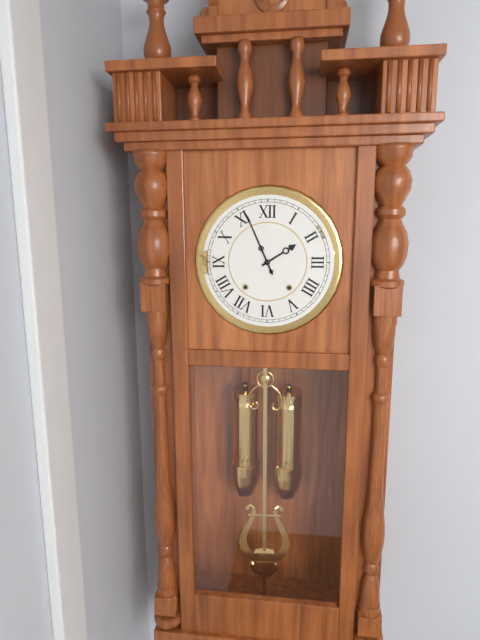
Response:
1,56
